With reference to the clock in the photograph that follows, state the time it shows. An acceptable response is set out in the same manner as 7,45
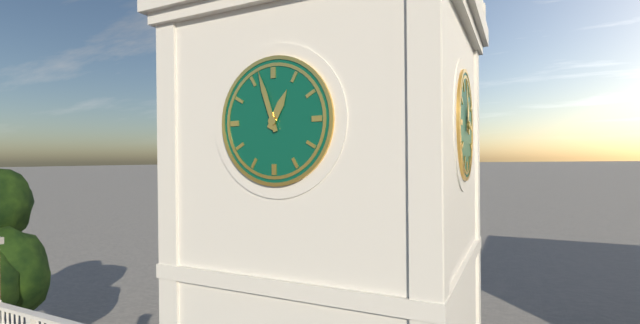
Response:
12,57
